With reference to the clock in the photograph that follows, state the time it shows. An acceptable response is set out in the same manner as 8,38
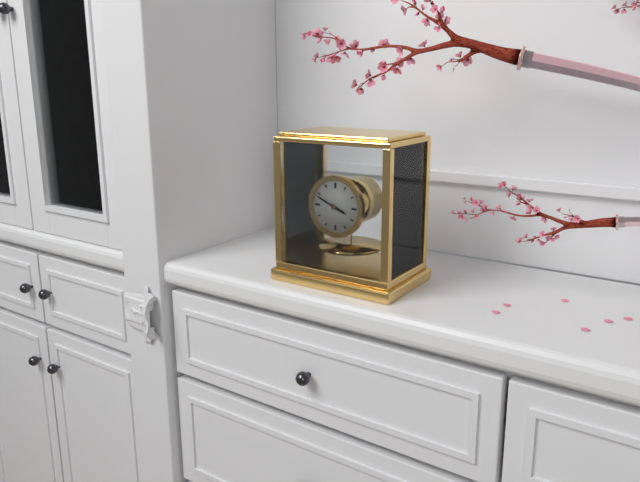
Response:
3,49
